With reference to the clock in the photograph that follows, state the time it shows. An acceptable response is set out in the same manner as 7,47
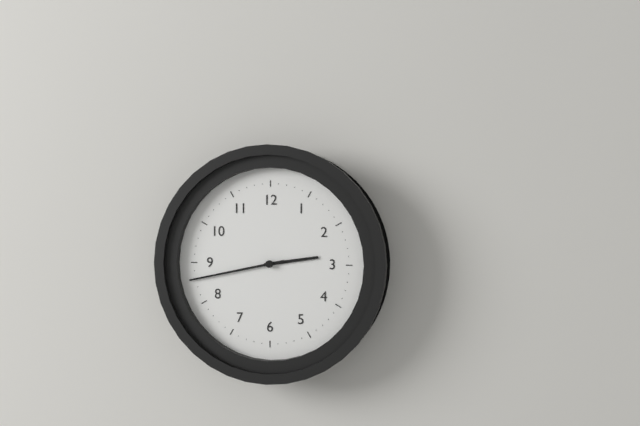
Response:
2,43
